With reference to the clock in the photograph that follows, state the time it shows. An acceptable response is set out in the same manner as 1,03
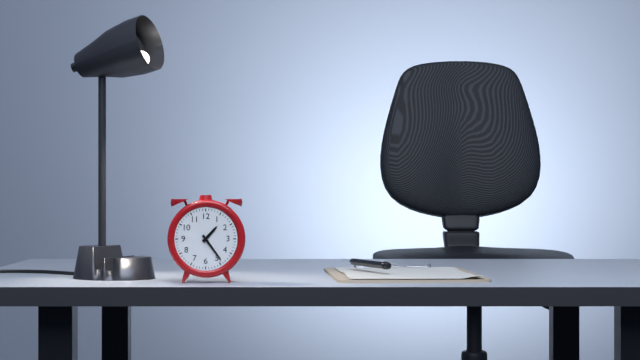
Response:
1,24
